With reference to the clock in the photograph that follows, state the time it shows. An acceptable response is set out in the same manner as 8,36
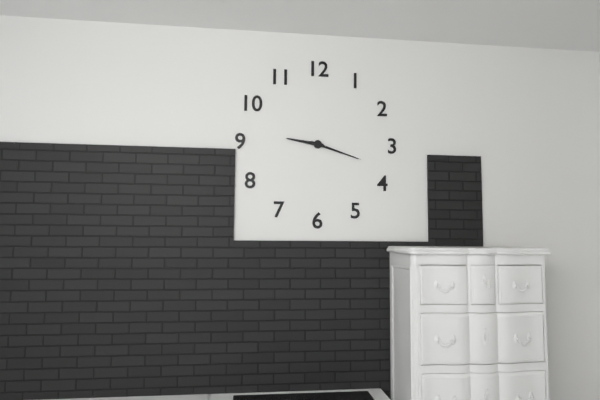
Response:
9,18
